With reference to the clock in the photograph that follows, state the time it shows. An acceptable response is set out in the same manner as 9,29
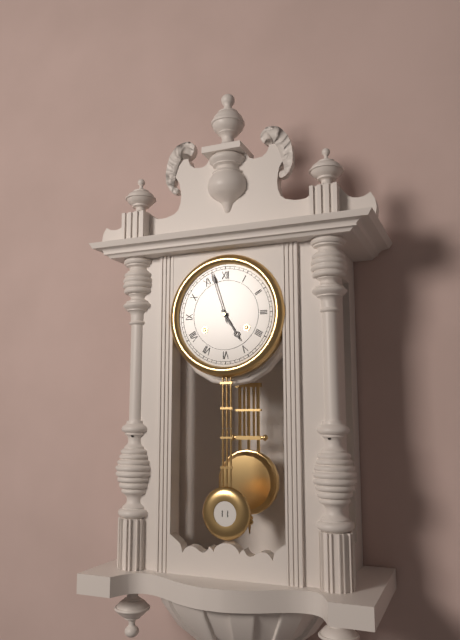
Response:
4,57
